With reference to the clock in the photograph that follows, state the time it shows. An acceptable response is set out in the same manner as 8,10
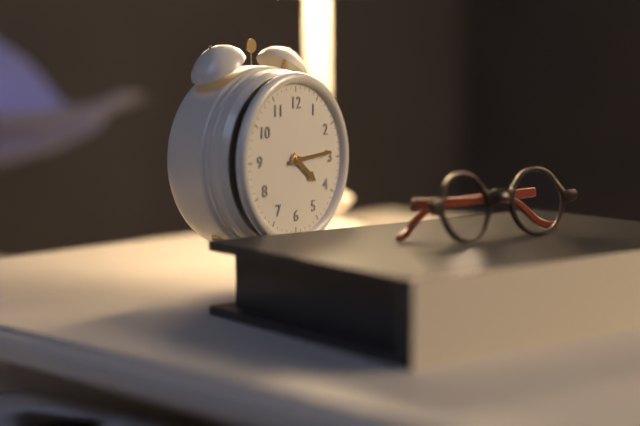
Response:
4,14
